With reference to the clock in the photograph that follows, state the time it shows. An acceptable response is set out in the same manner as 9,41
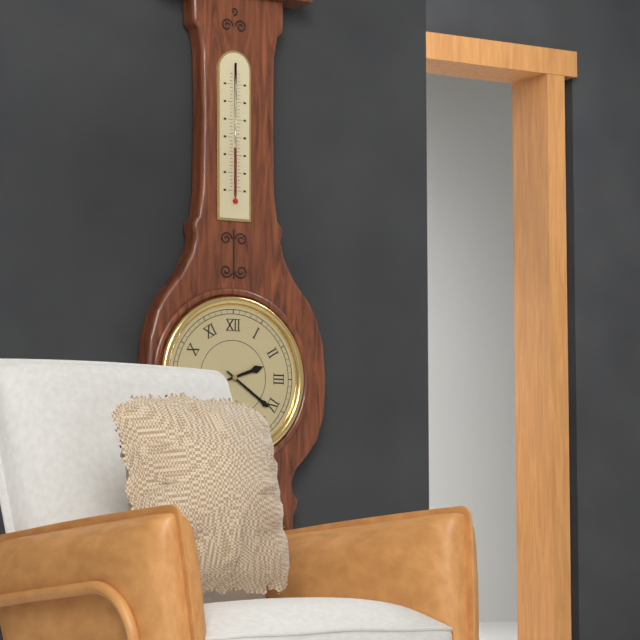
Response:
2,21
